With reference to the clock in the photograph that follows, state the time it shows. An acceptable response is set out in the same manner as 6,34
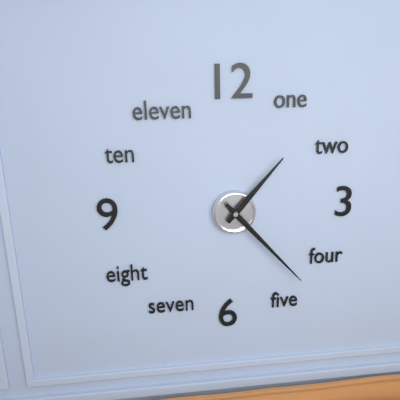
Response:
1,23
